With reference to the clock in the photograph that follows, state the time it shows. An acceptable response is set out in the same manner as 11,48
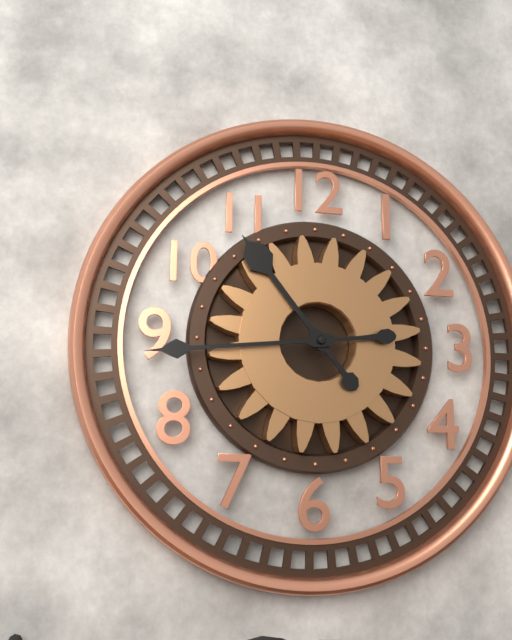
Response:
10,44
